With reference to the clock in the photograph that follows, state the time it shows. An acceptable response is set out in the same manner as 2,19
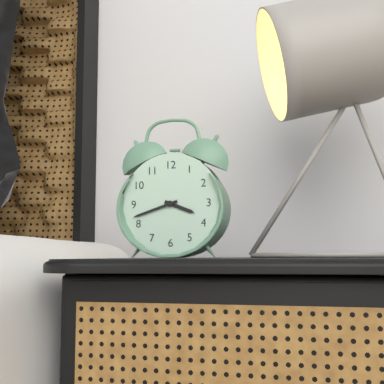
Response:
3,42
